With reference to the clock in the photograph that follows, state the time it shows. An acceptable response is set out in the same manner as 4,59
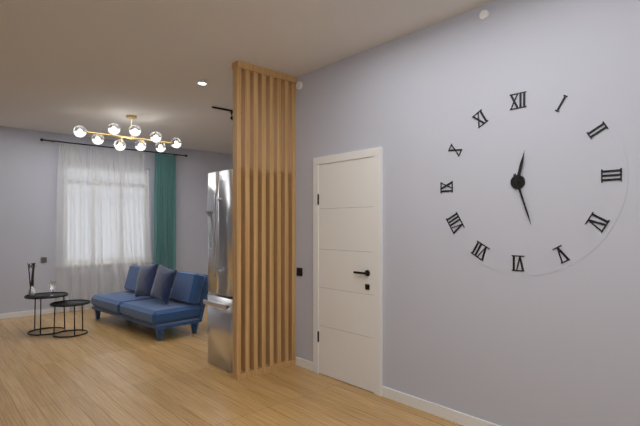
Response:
12,27
